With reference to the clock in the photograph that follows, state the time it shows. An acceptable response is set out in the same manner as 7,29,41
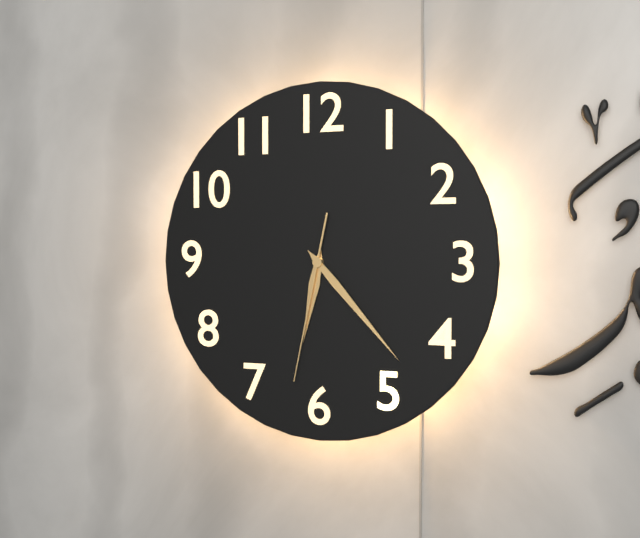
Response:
6,23,32
